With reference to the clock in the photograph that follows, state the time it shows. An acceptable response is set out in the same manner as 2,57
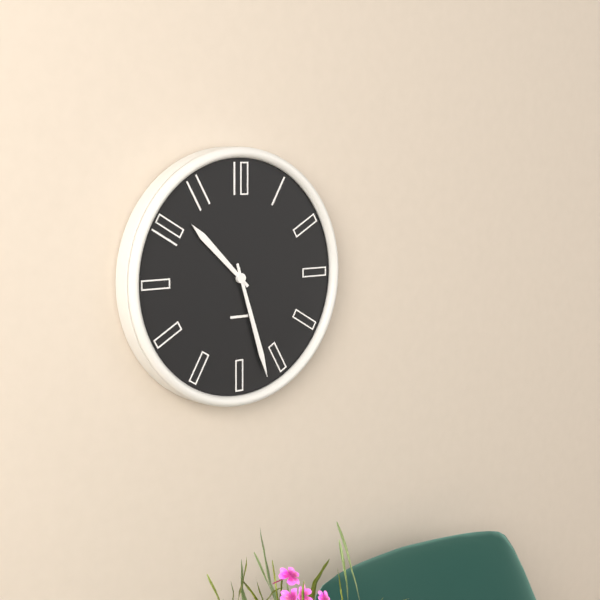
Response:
10,27
